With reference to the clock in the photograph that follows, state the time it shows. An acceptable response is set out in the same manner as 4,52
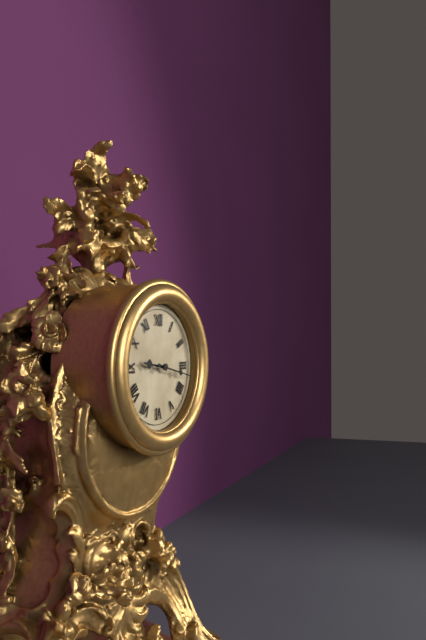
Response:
9,17
